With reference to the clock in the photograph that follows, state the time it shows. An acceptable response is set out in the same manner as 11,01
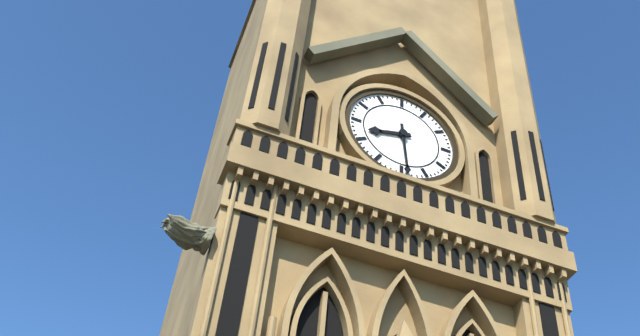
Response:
8,29
